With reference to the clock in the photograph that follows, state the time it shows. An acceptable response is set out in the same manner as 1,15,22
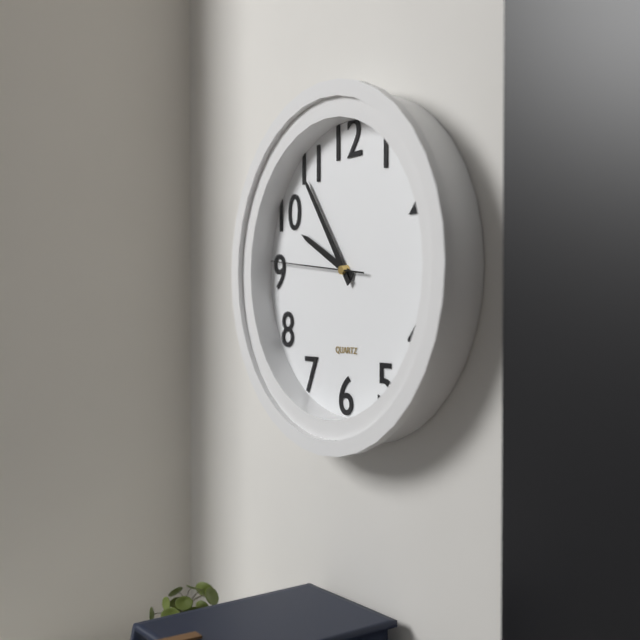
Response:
9,54,46
